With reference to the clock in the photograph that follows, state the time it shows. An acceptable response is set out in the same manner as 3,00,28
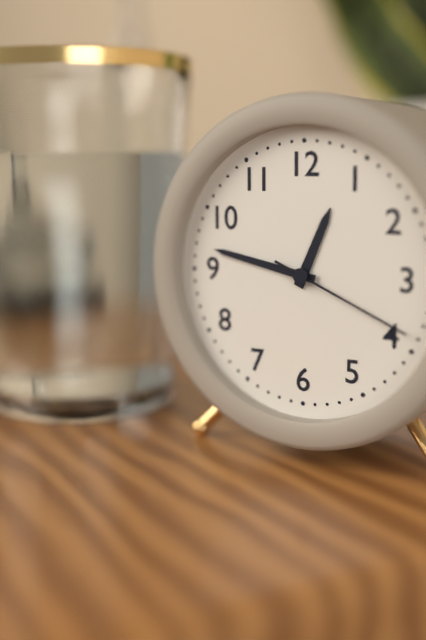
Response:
12,47,19
